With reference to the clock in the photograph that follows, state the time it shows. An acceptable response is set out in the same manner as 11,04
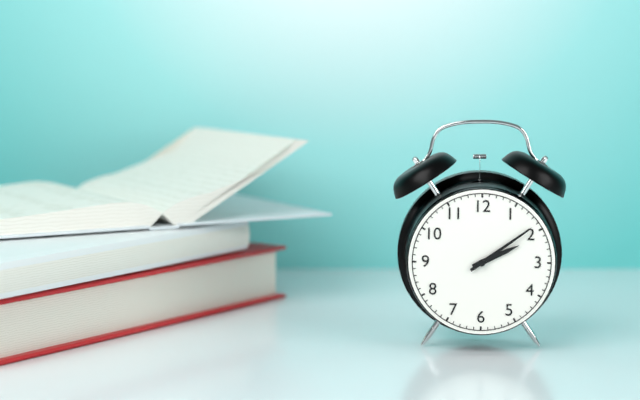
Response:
2,09
